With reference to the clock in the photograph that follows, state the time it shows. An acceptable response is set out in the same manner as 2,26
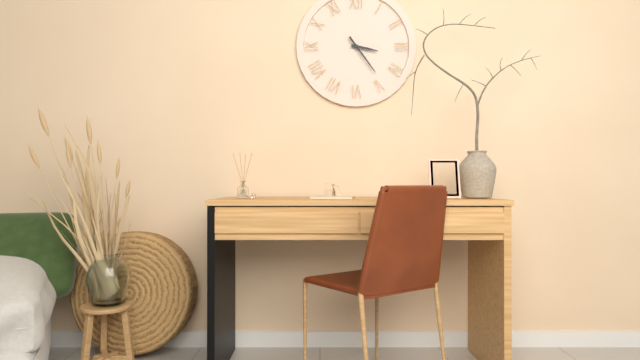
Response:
3,24
